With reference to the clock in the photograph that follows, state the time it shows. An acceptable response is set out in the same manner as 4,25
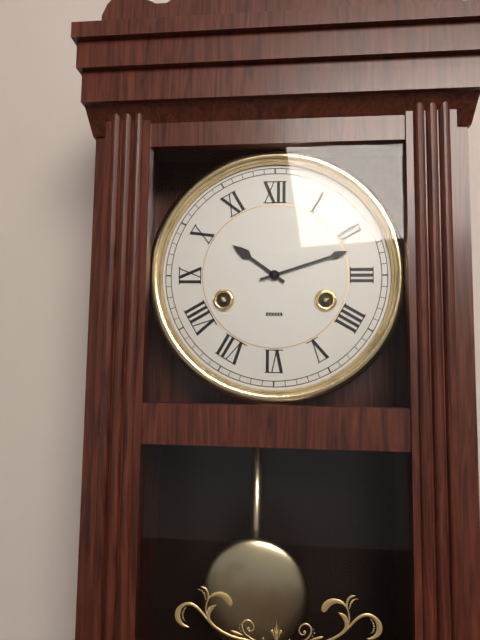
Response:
10,12
